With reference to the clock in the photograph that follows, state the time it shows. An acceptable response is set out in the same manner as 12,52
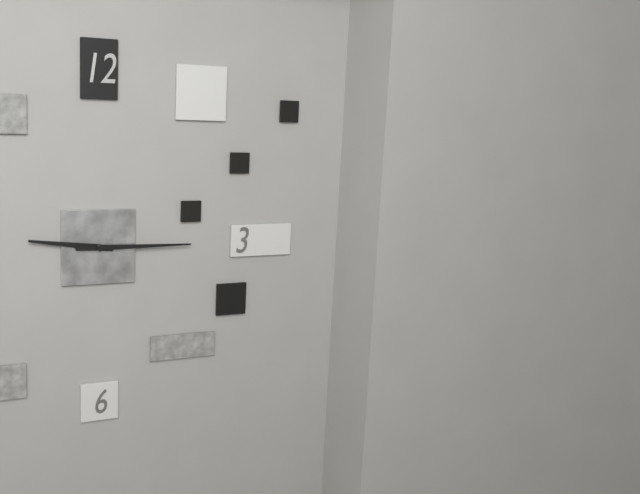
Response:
9,15
